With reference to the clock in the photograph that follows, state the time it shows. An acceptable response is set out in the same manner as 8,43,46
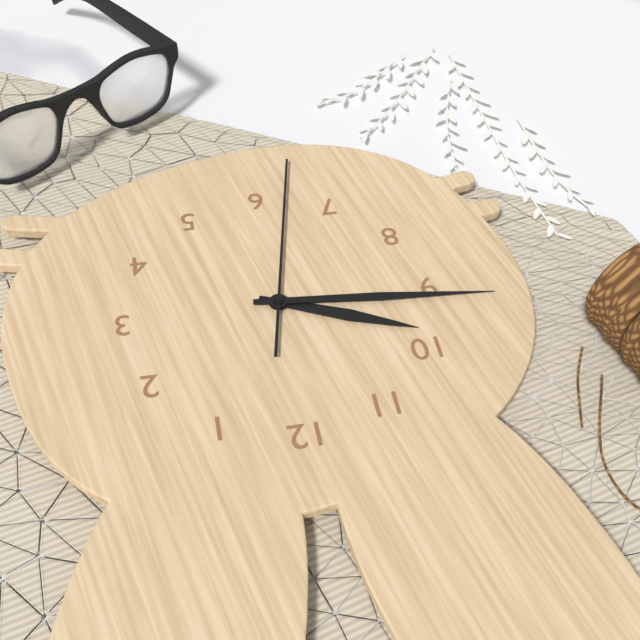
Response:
9,46,32
